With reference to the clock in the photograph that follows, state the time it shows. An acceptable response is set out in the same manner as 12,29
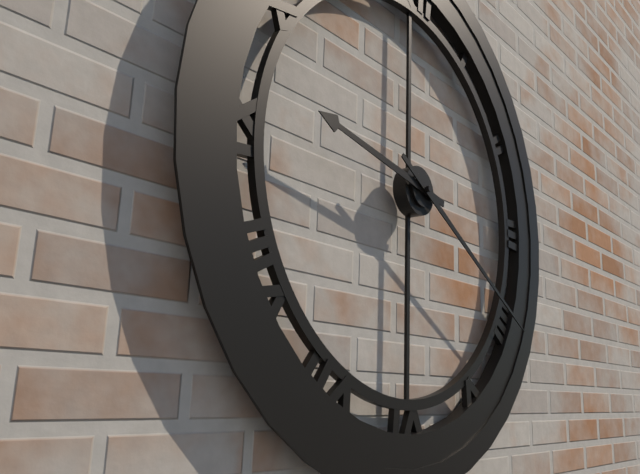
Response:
9,20
